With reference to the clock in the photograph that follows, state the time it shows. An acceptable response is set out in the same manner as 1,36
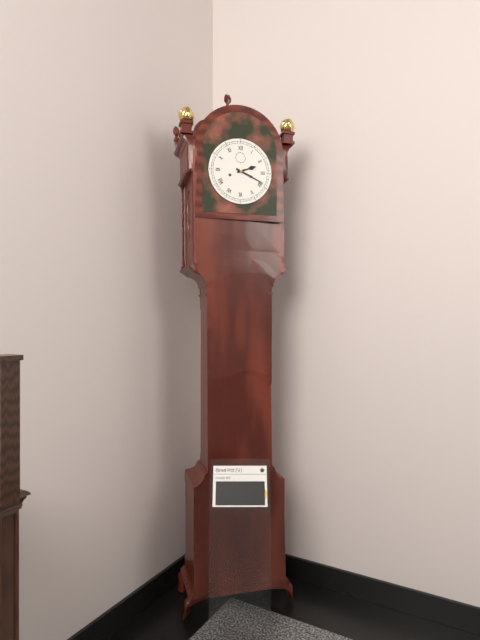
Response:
2,19
